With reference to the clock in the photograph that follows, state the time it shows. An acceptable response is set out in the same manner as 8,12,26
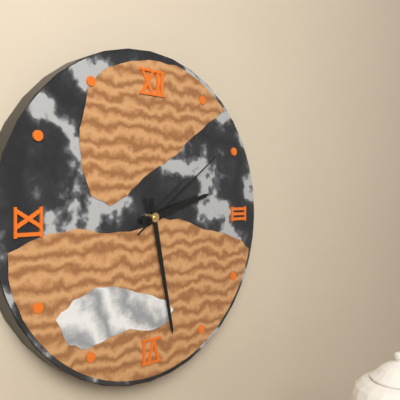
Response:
2,28,09
